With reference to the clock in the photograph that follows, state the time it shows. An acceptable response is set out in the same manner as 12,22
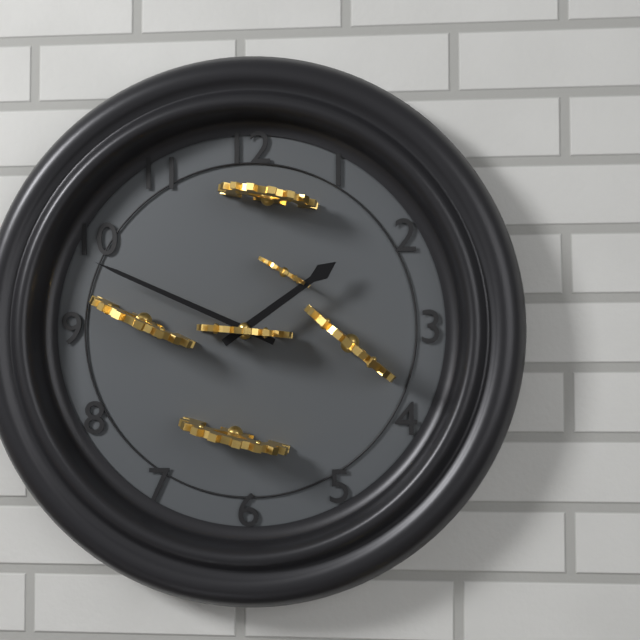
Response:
1,49
